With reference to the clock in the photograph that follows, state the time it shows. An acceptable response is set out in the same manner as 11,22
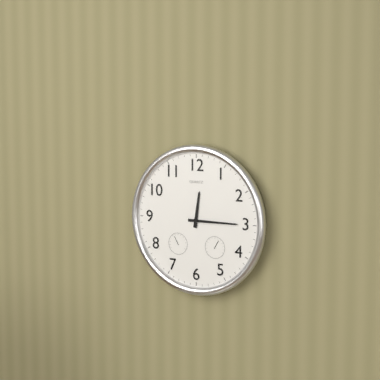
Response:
12,15
